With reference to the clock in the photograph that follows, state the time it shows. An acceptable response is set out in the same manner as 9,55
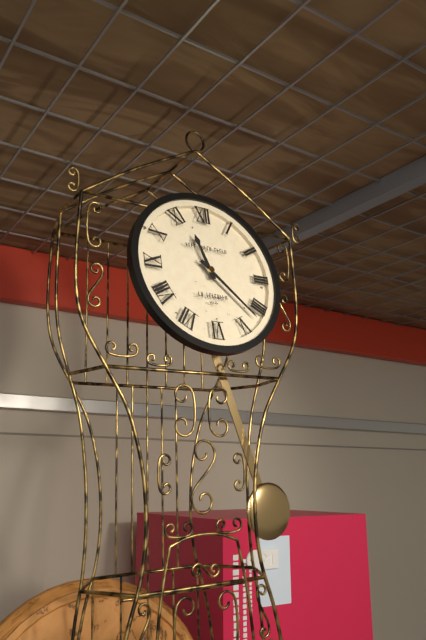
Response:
11,22
